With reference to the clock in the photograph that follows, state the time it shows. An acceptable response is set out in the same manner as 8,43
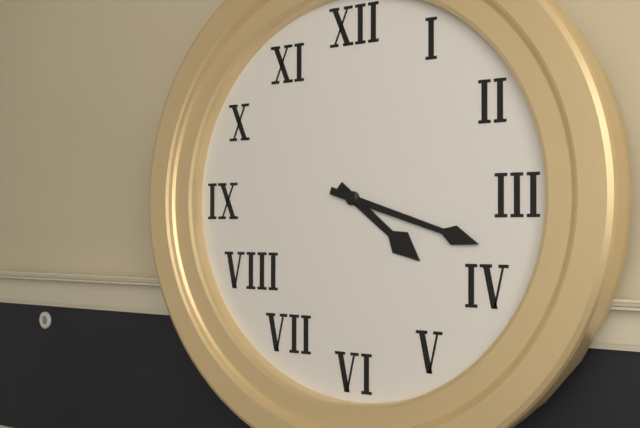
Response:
4,18
